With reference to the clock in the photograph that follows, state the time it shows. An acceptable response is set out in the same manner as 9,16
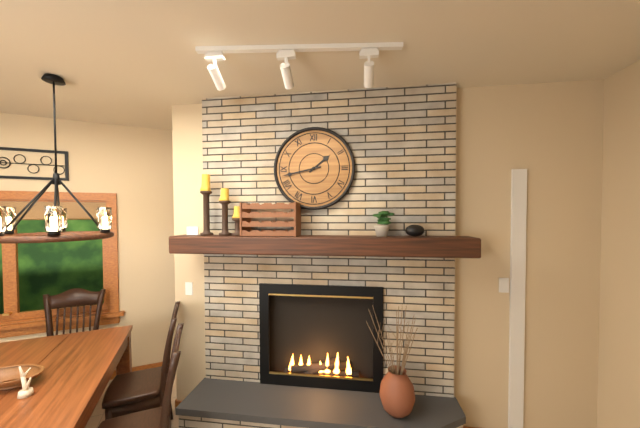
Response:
1,43
